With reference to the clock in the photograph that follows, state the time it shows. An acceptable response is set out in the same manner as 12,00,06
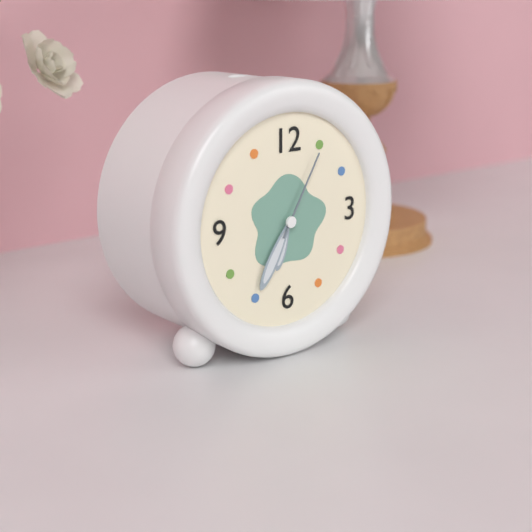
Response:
6,35,05
